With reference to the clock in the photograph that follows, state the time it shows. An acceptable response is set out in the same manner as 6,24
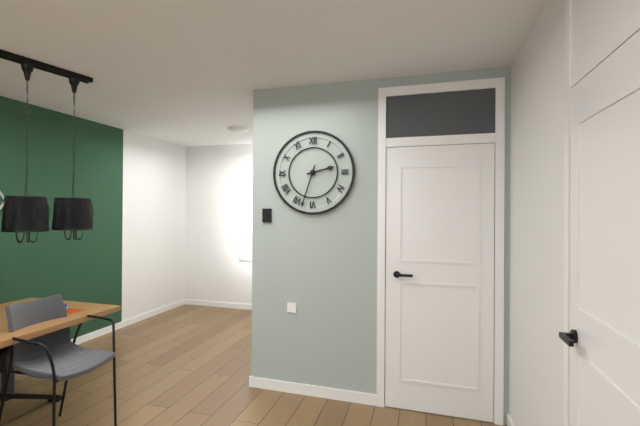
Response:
2,33
